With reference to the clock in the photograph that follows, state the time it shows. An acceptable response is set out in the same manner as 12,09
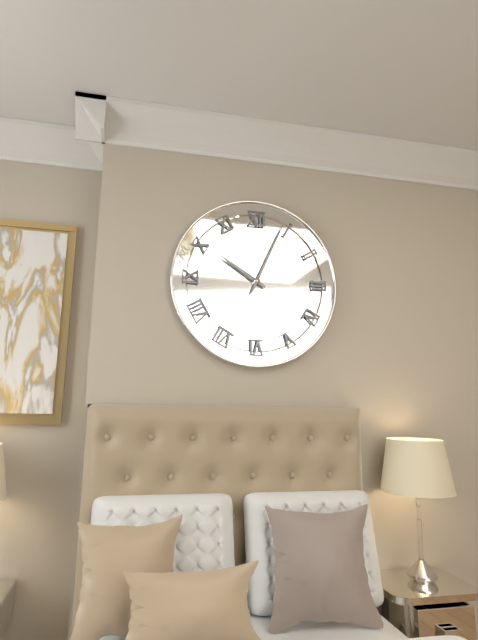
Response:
10,04
